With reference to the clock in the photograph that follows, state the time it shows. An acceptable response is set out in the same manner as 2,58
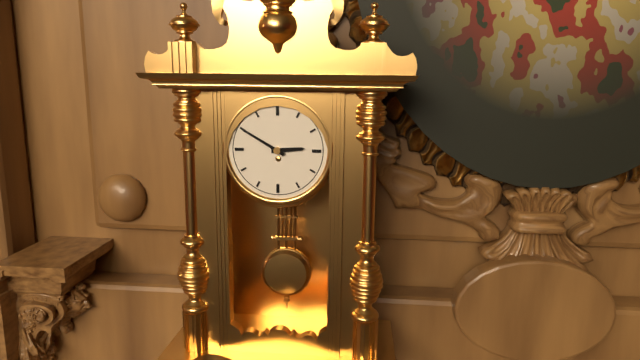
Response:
2,50
